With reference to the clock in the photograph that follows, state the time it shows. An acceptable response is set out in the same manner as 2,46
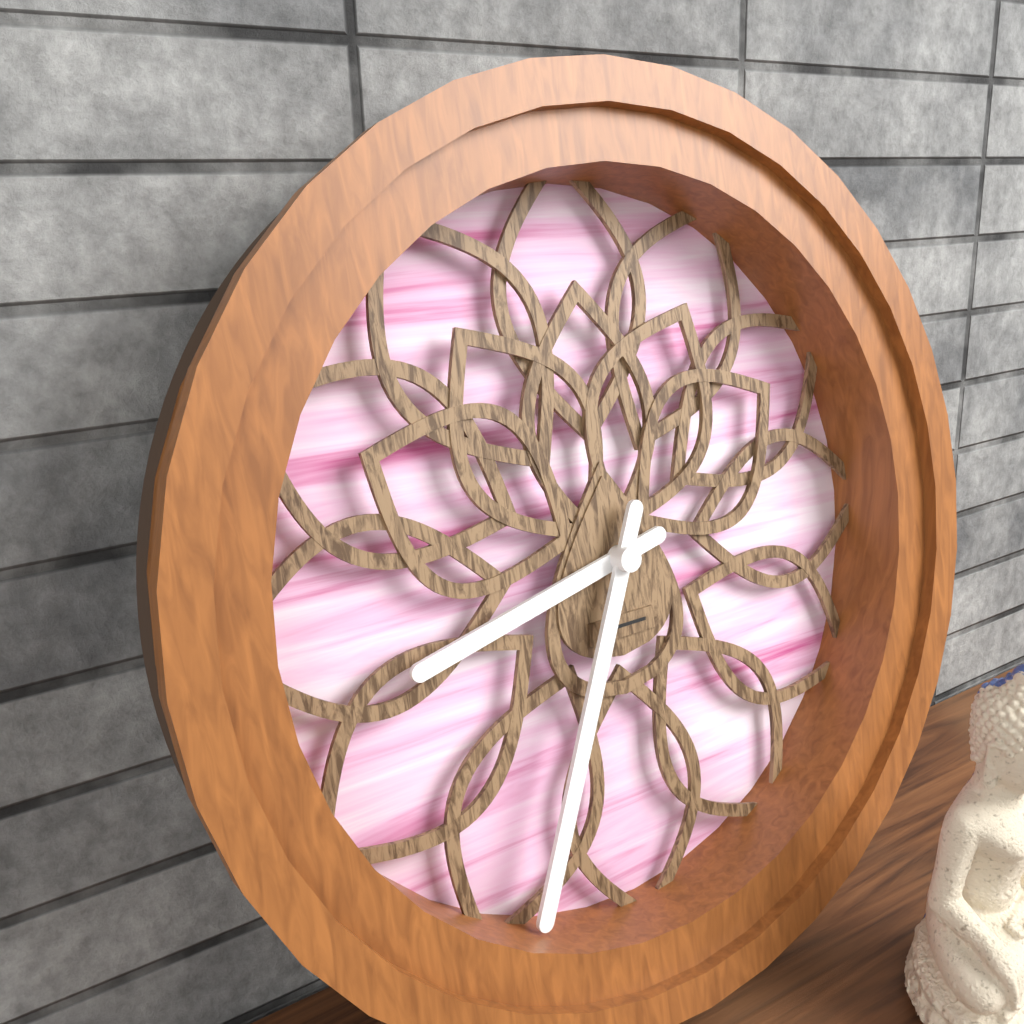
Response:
8,34
